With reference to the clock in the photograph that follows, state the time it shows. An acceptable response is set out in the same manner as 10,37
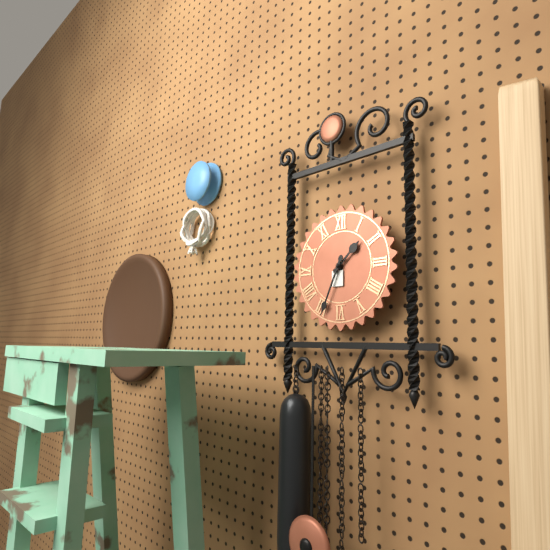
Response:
1,34
